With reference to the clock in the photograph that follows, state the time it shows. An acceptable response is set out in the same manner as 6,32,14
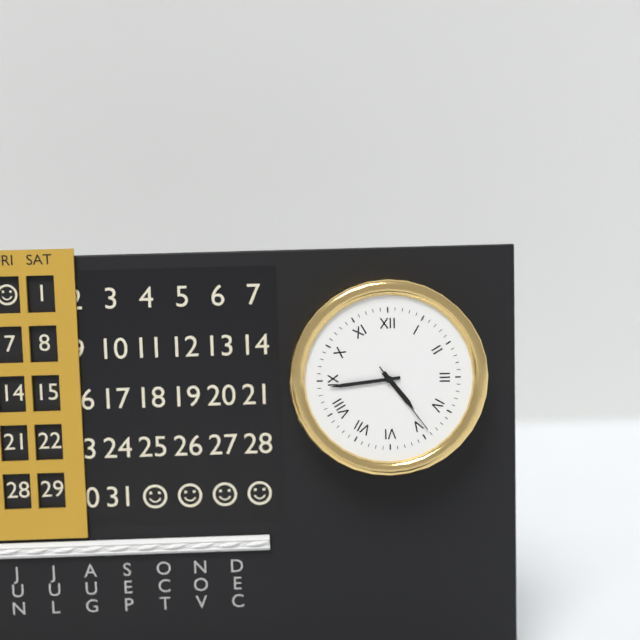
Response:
4,44,24
